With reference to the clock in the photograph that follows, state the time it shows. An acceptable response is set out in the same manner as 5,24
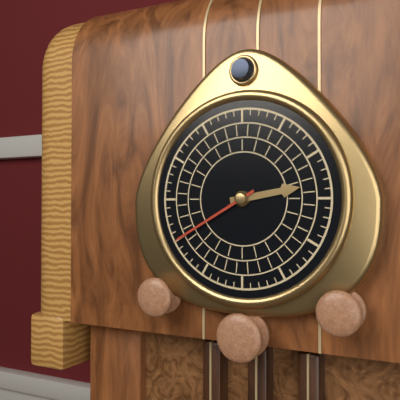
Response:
2,40
